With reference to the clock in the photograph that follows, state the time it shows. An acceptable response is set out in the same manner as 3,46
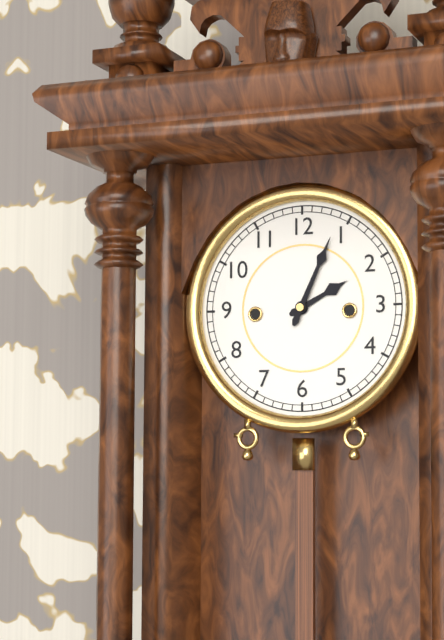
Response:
2,04
